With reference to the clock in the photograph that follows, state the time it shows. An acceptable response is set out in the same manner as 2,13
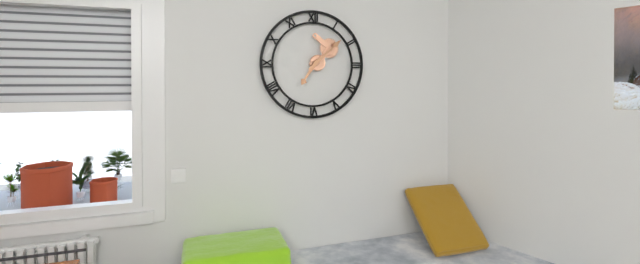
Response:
7,08
